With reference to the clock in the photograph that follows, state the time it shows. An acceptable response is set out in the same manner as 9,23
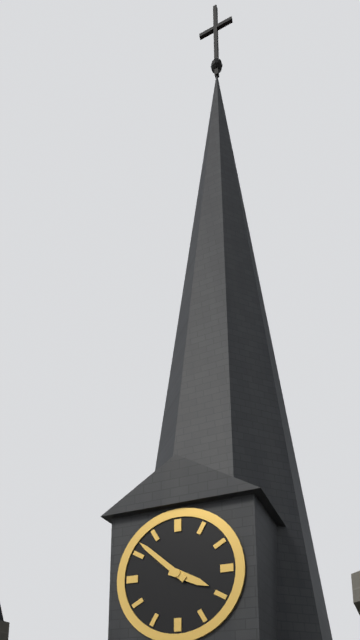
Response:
3,52
